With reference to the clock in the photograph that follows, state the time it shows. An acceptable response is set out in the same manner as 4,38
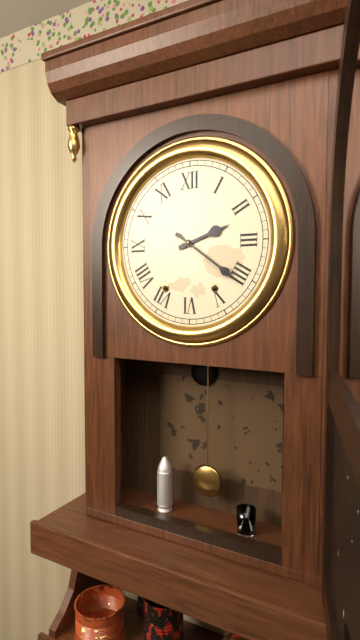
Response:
2,21
